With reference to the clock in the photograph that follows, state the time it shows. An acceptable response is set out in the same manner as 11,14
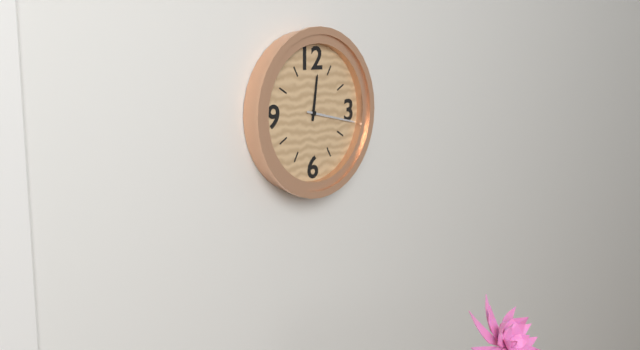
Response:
12,17
